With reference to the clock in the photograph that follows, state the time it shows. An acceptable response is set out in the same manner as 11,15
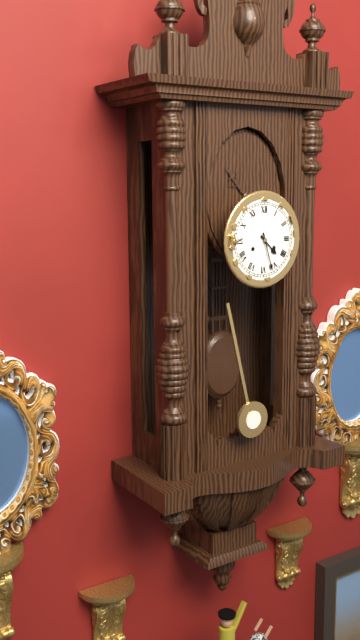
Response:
4,27
